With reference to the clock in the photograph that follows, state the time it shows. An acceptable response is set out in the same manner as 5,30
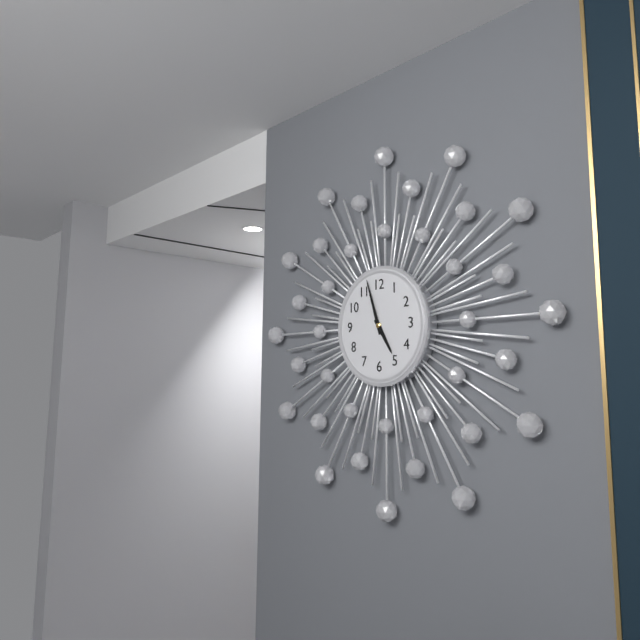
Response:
4,57
